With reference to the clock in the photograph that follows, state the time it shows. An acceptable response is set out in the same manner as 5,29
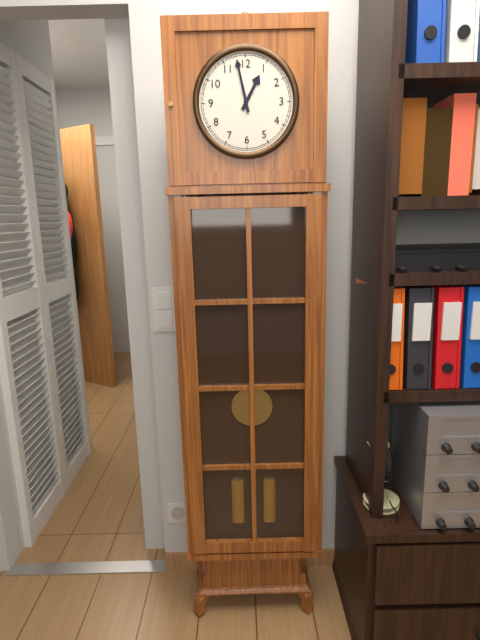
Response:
12,58
